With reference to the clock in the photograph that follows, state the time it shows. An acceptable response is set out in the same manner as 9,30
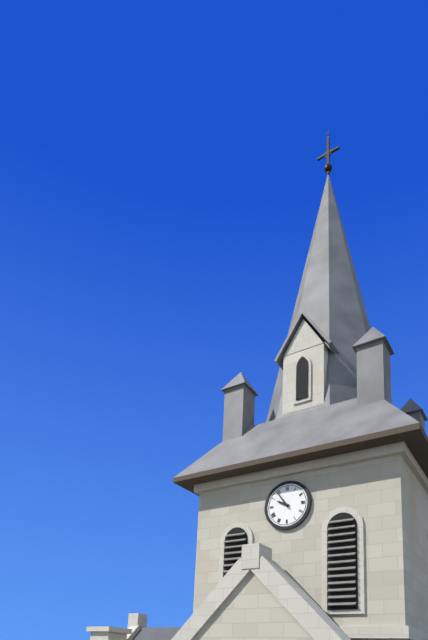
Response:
9,54
